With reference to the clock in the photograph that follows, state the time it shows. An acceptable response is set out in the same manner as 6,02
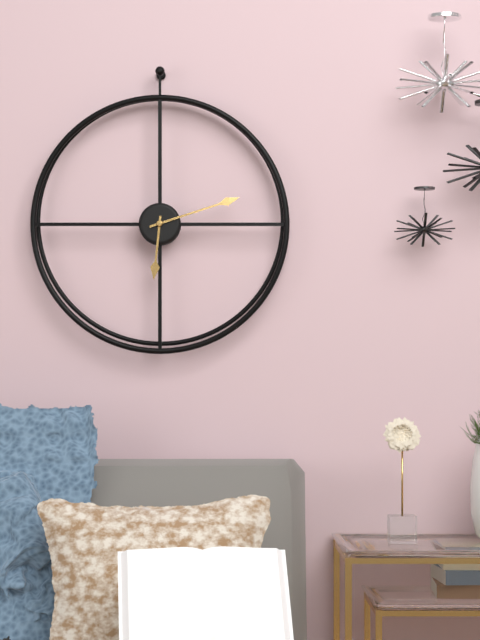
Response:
6,12
